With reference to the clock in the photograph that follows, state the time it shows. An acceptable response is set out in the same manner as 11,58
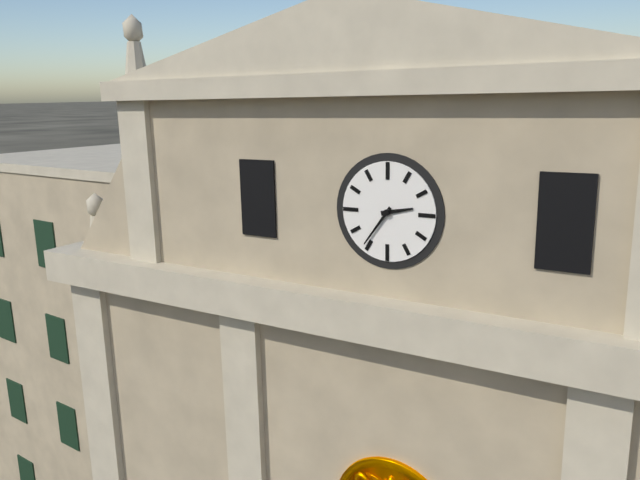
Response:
2,36
